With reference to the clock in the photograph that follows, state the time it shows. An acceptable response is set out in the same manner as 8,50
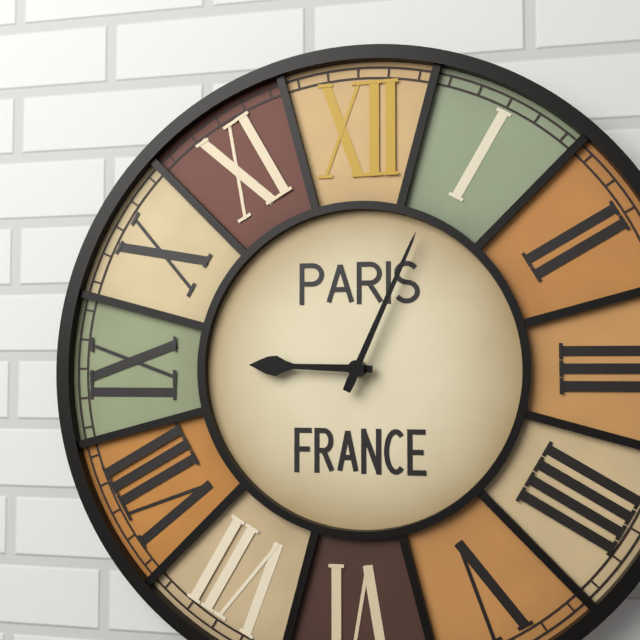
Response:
9,04
